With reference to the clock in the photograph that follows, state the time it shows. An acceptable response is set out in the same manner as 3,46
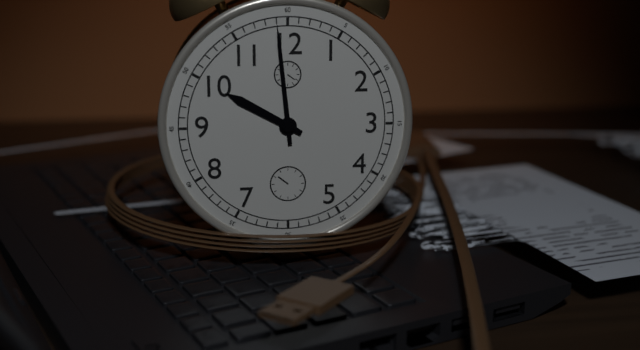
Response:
9,59
